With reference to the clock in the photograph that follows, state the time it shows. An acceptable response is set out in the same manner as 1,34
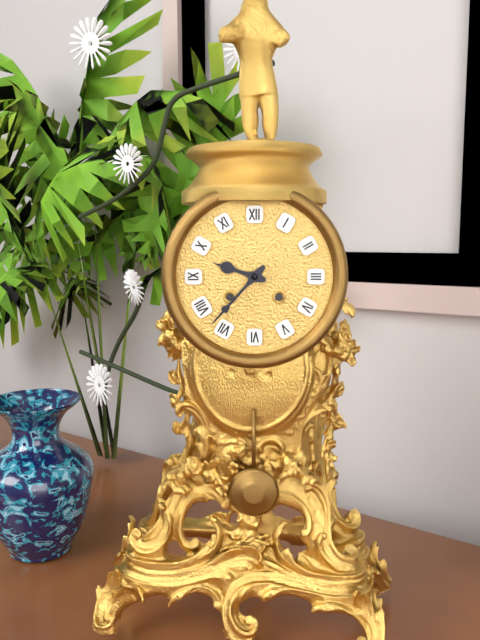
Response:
9,37
